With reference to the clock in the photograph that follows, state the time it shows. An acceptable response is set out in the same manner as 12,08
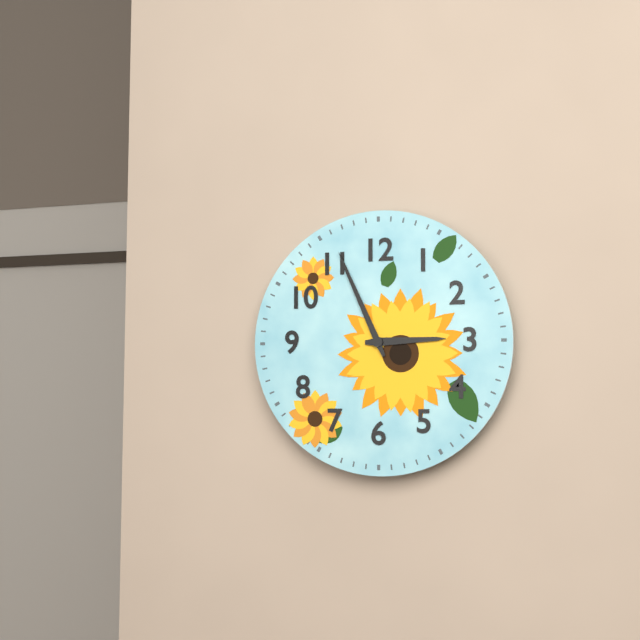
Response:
2,56
